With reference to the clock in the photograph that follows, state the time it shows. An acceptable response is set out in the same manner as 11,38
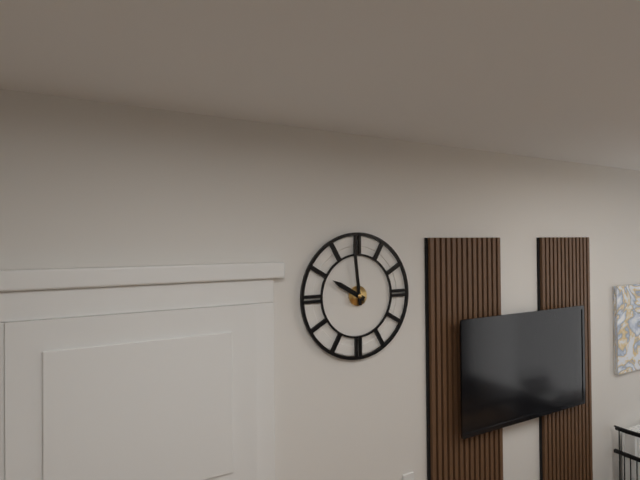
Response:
9,59
